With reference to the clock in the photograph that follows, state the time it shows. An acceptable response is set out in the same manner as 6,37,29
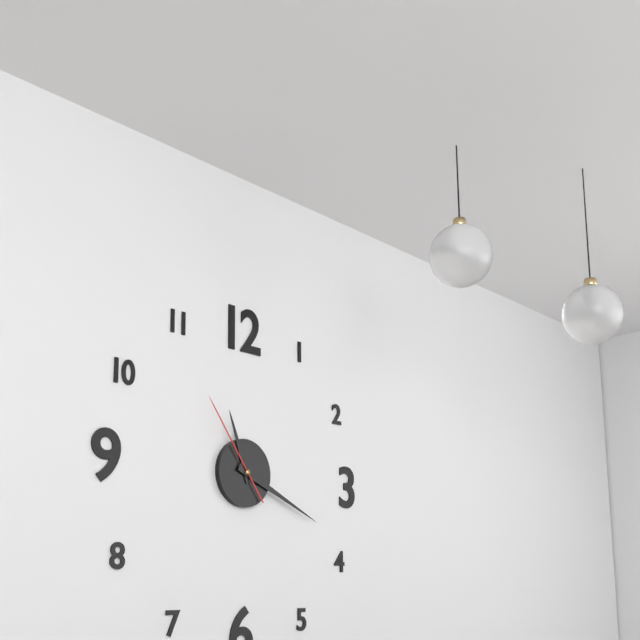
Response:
11,19,54
